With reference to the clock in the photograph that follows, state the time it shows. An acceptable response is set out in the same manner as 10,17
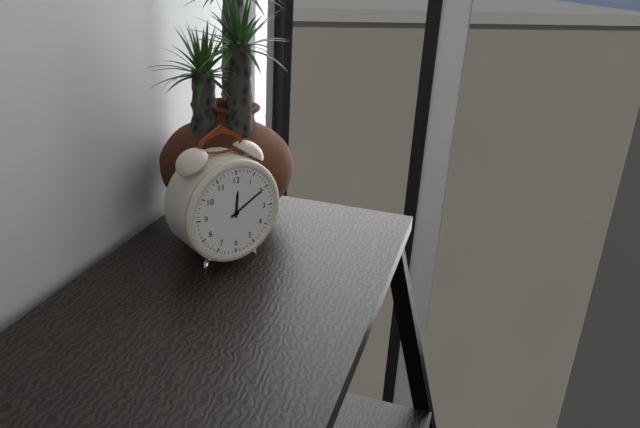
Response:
12,10
